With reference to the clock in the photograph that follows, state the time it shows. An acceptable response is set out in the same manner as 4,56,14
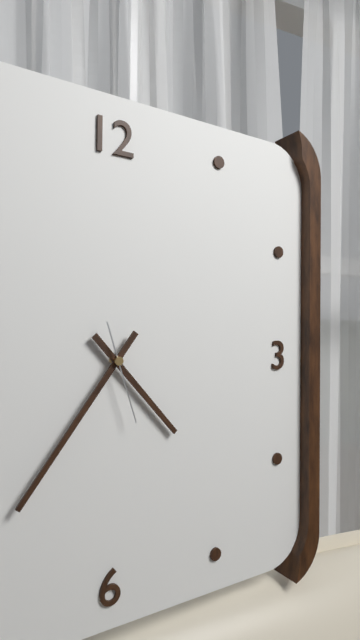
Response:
4,36,27
